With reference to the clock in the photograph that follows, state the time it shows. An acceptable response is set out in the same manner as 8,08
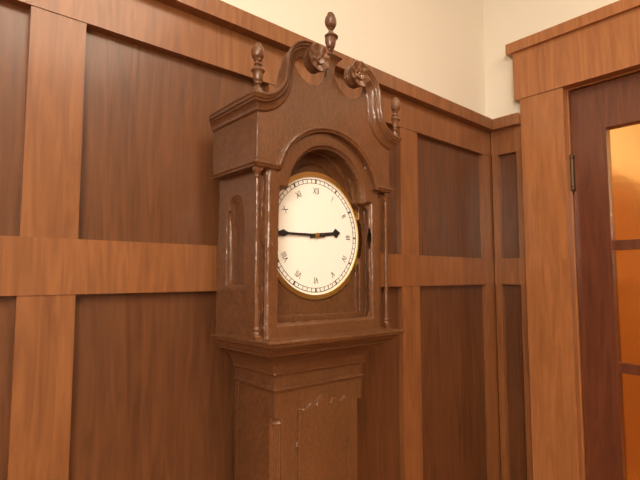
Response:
2,45
